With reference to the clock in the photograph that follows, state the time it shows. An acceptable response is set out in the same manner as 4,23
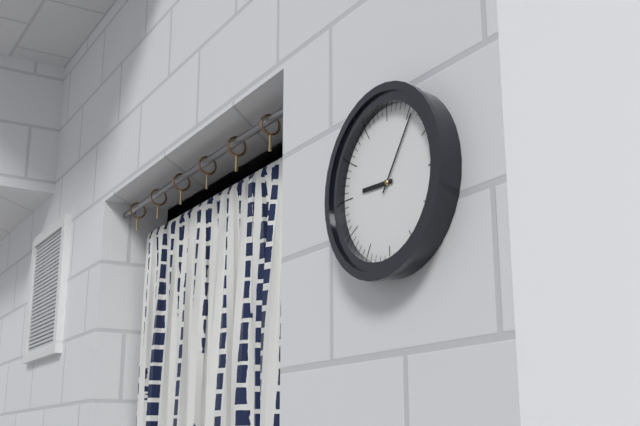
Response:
9,06
